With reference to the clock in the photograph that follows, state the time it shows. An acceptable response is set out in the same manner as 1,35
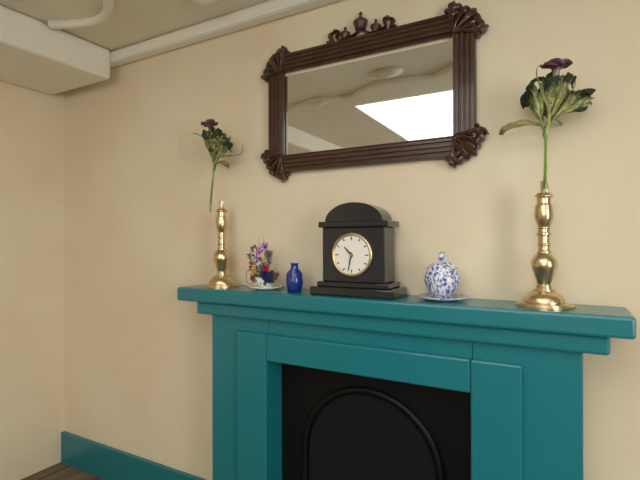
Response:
10,32
